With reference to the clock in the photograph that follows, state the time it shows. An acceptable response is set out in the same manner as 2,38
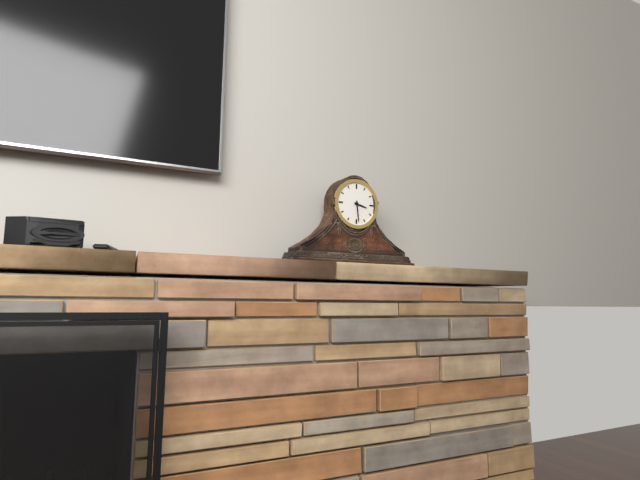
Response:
3,29
